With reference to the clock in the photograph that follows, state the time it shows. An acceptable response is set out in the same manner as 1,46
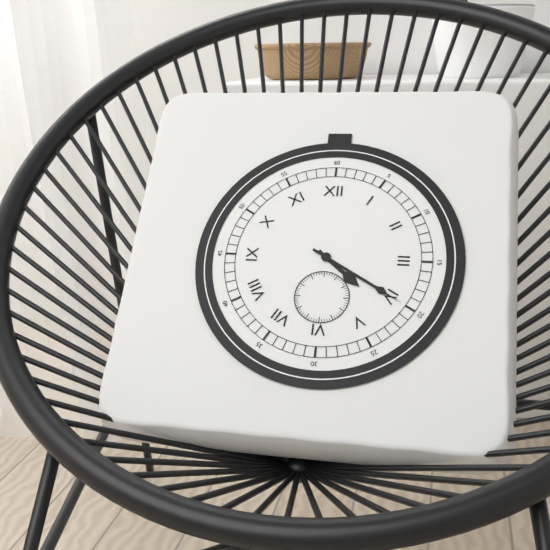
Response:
4,20
